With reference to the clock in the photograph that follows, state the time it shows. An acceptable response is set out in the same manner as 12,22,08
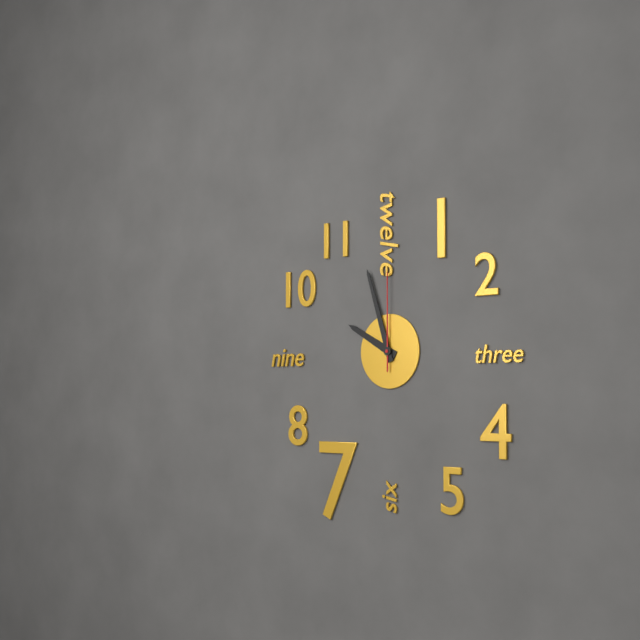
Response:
9,57,00
